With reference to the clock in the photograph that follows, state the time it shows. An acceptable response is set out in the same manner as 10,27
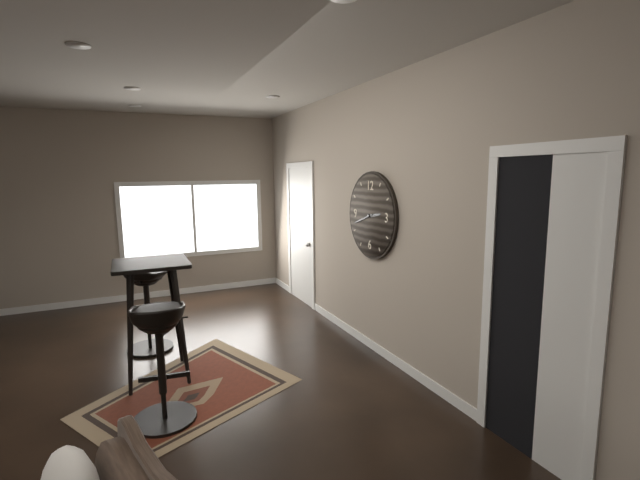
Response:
2,42
